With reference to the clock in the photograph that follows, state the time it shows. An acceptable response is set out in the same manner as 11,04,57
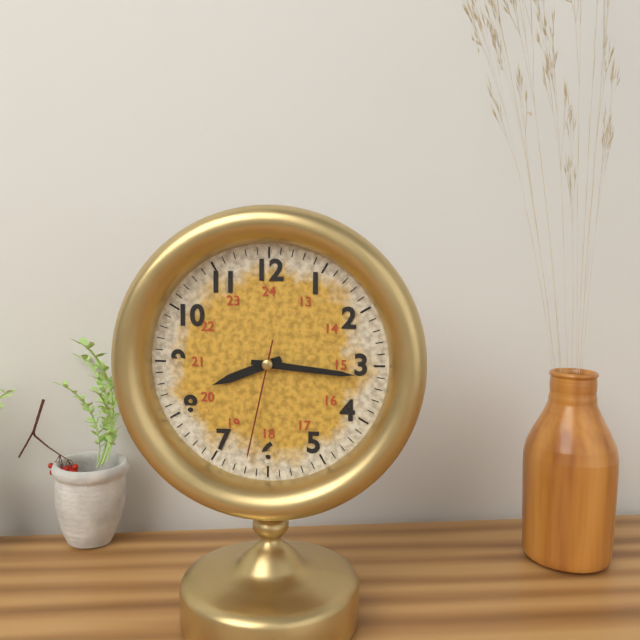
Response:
8,16,32
